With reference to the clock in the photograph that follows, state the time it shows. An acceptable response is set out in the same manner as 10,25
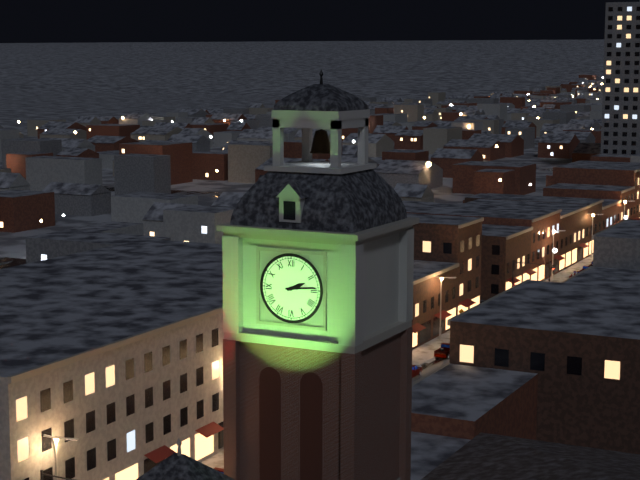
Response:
2,14
